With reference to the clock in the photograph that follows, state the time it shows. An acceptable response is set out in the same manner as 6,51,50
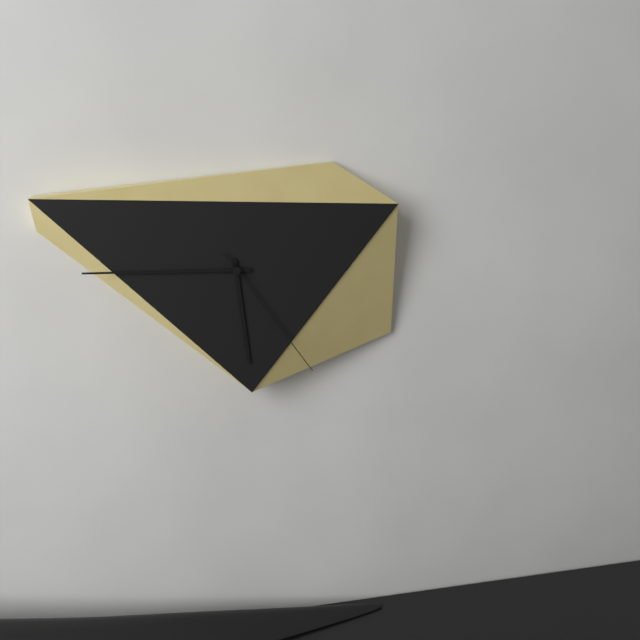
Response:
5,45,24
